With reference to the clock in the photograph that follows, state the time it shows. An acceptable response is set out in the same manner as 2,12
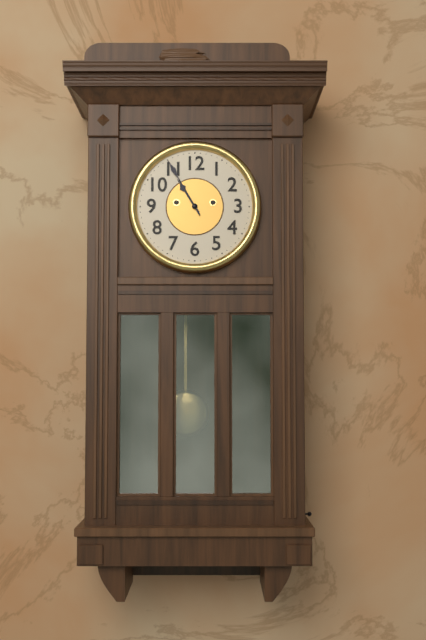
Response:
10,55
